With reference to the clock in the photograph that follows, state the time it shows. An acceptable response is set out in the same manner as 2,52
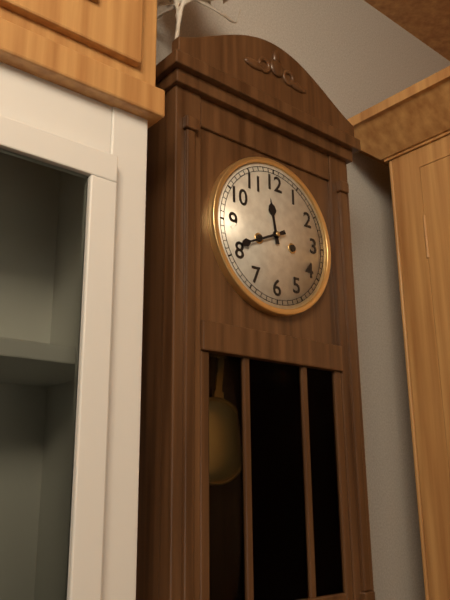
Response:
11,41
